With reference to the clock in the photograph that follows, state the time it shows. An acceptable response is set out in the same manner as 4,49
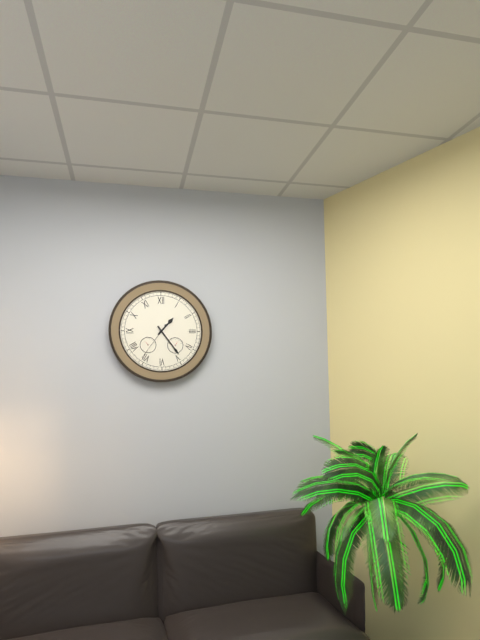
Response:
1,24
